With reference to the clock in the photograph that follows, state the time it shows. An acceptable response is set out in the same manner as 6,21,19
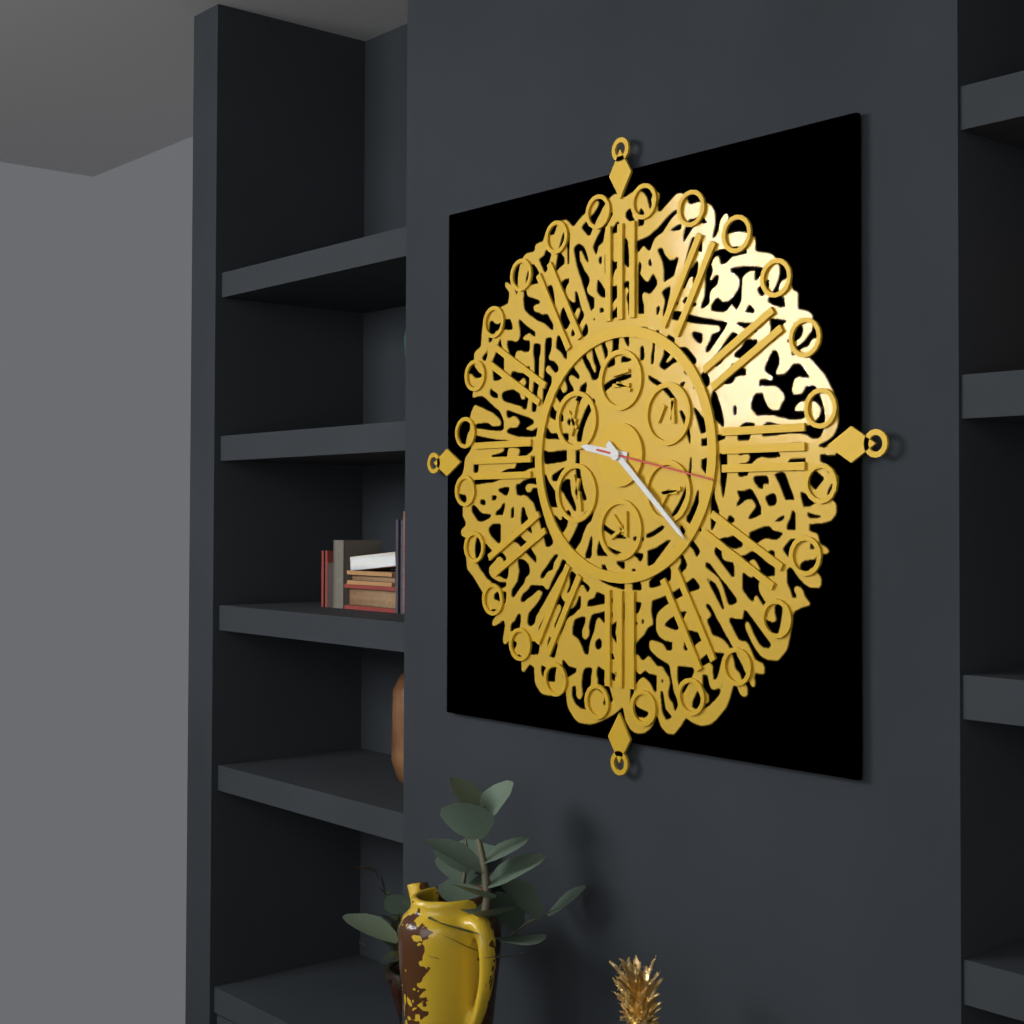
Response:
9,22,17
